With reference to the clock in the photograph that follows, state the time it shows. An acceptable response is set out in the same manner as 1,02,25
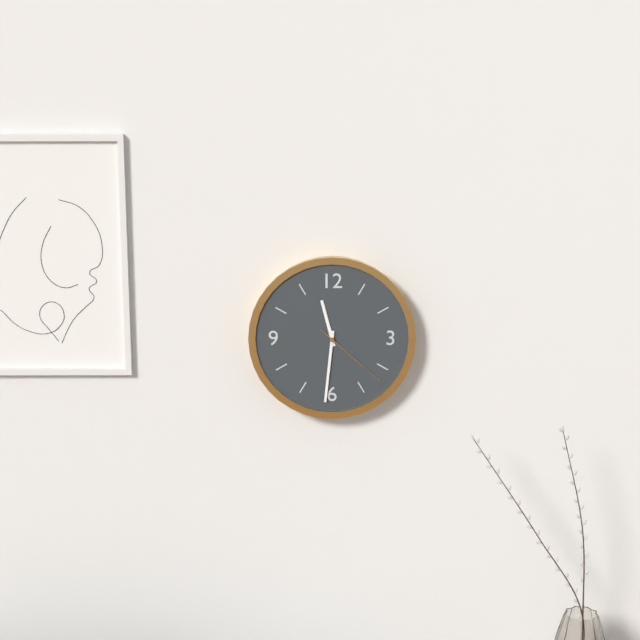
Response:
11,31,22
